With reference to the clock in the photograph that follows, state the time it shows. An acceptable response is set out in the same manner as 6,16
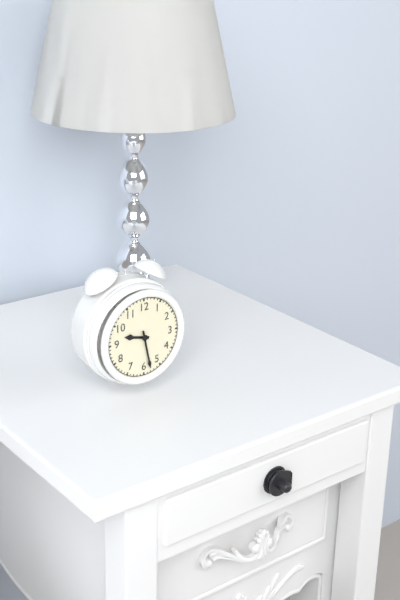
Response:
9,28
